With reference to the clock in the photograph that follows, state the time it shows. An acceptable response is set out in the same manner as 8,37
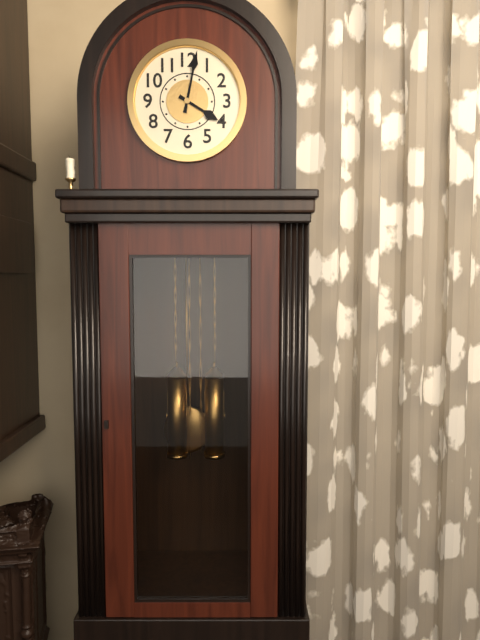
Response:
4,02
